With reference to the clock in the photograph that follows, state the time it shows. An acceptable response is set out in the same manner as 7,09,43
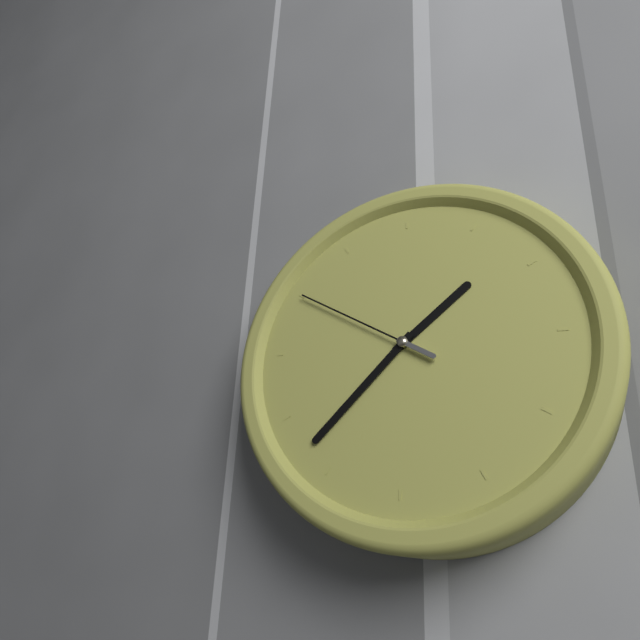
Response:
1,37,50
